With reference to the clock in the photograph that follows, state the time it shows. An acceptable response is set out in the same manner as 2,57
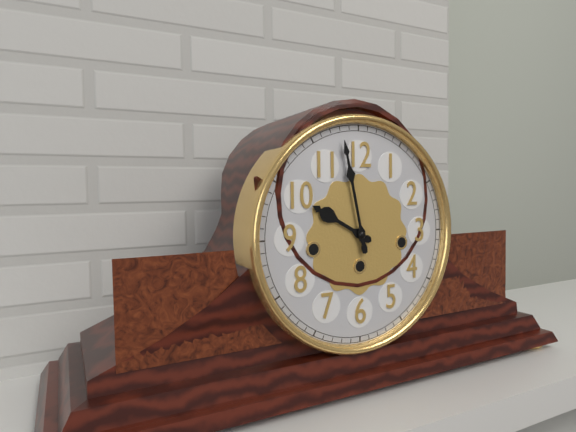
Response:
9,58
